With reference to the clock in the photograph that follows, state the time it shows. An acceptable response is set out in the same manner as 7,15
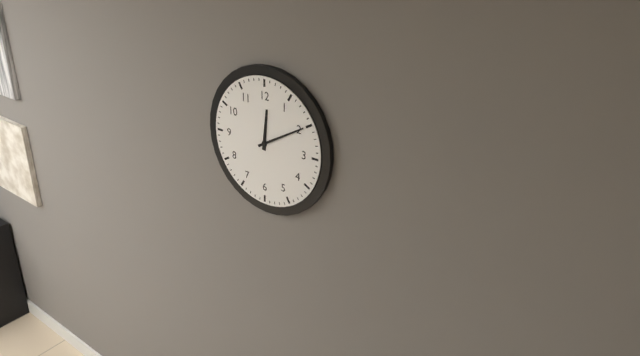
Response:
12,10
